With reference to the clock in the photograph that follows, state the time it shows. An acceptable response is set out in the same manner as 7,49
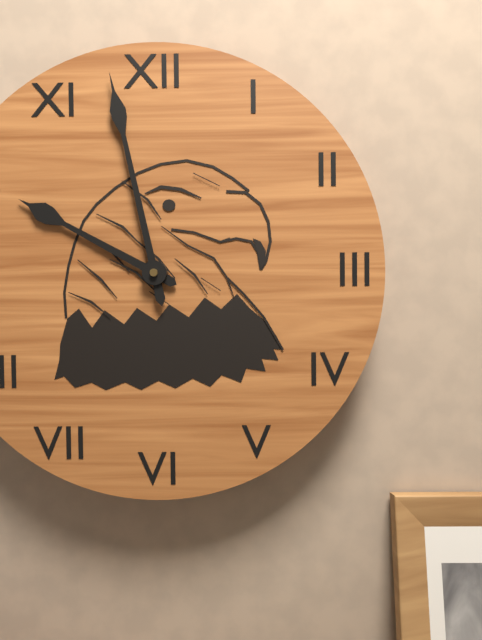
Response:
9,58
